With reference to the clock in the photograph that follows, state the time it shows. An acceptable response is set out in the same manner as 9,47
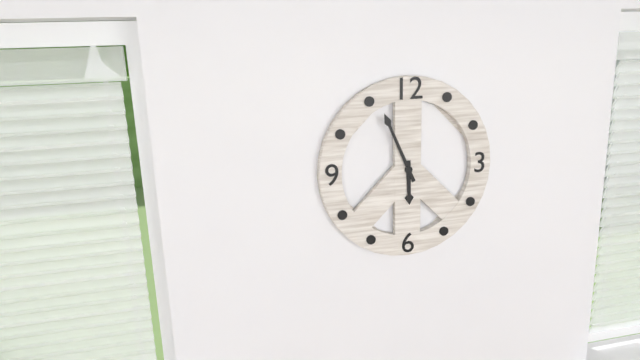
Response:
5,56
